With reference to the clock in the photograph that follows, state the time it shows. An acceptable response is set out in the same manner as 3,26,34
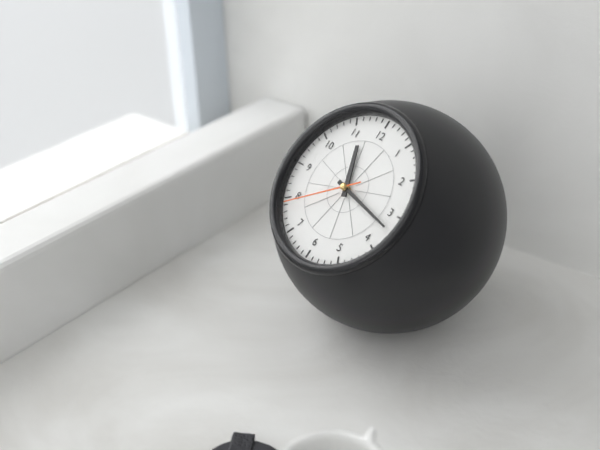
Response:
11,17,39
